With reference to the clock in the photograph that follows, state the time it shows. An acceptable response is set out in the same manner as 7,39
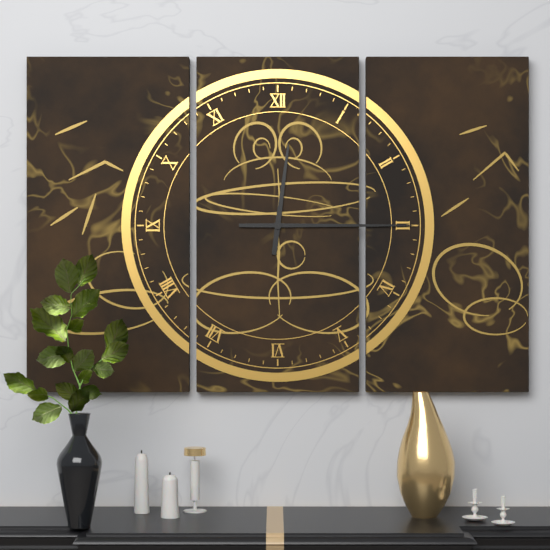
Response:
12,15
